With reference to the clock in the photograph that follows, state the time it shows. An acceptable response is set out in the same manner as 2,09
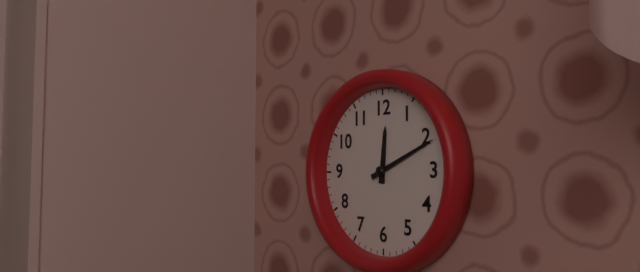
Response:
12,11
